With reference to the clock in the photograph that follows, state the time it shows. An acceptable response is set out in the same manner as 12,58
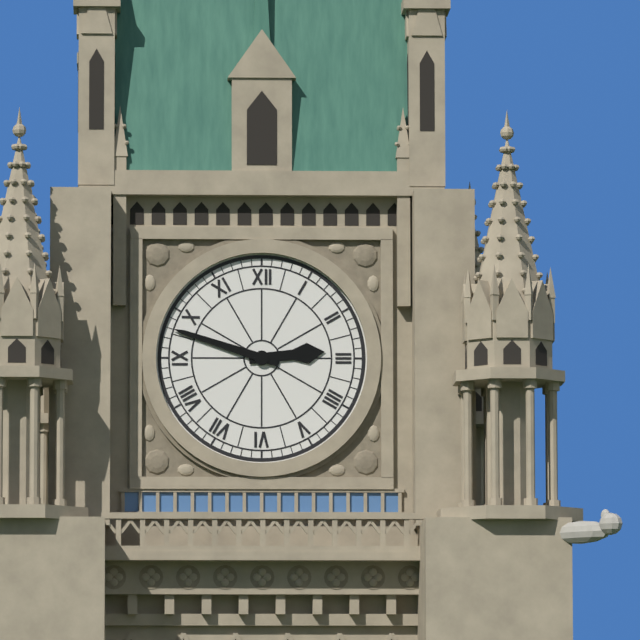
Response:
2,48
